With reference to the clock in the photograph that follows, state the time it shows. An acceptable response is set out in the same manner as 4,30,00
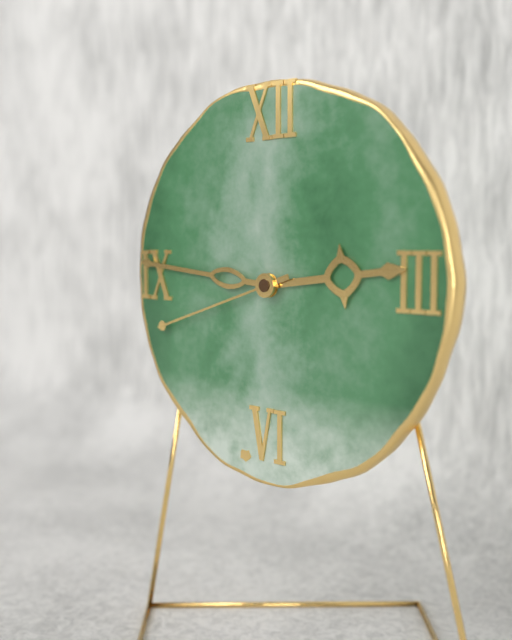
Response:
2,46,42
